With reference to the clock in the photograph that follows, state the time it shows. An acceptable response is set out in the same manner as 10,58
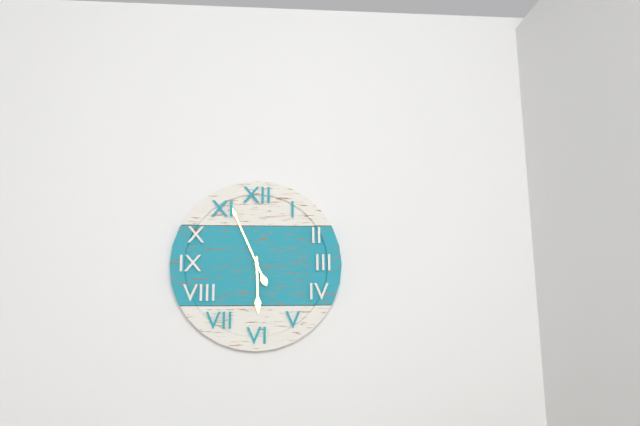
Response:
5,56
